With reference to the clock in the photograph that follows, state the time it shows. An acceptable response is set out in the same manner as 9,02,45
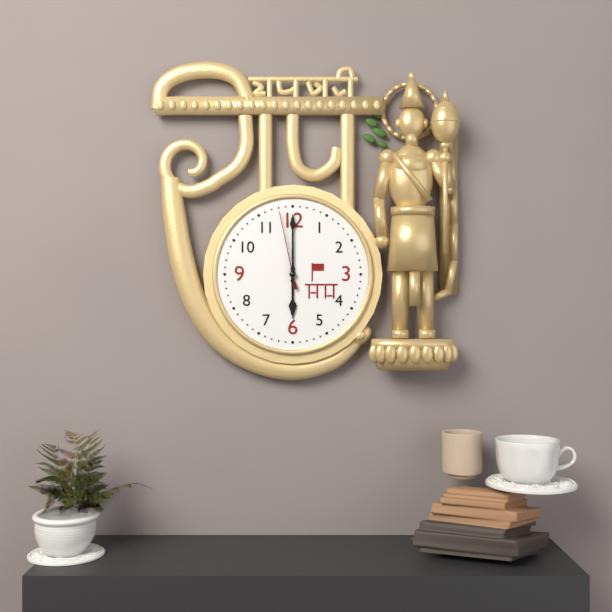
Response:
6,00,58
